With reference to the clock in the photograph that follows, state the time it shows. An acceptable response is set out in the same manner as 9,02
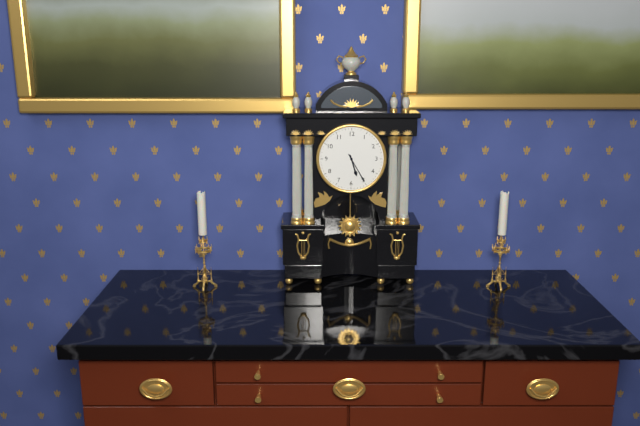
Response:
5,25
